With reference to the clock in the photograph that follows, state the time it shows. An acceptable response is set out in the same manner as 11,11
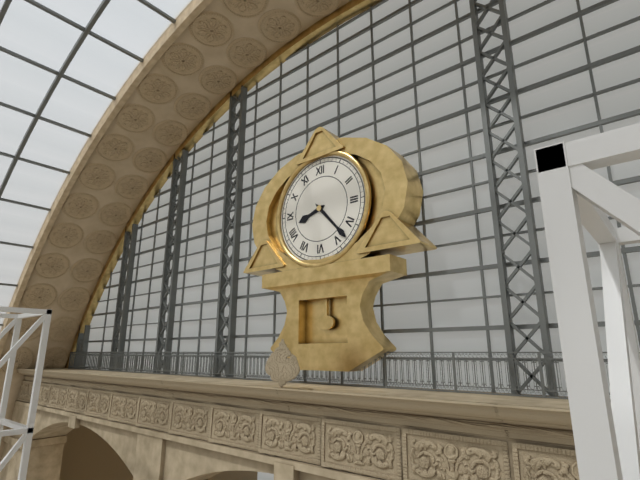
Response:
8,23
